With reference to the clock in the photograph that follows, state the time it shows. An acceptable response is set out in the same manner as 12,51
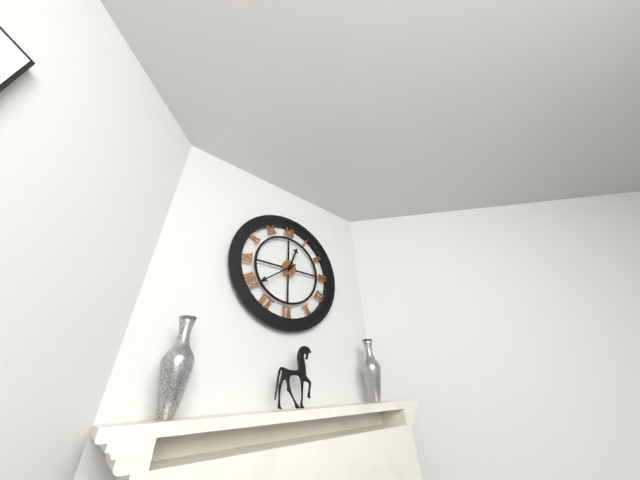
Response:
12,39
